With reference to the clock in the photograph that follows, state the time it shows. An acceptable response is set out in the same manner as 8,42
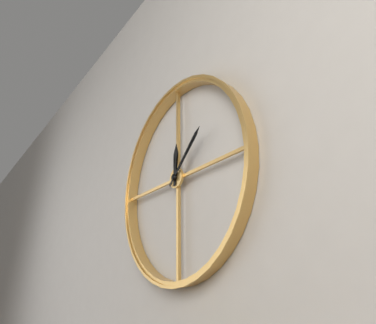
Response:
12,08
